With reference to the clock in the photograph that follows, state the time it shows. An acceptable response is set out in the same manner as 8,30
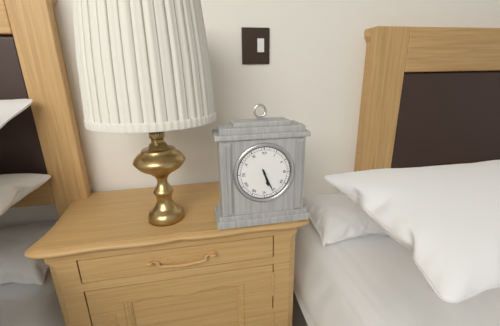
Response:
5,26
